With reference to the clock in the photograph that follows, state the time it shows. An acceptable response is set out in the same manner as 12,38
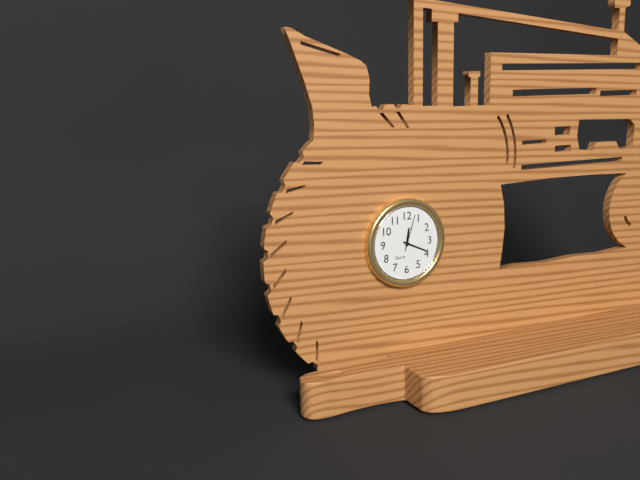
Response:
12,19
